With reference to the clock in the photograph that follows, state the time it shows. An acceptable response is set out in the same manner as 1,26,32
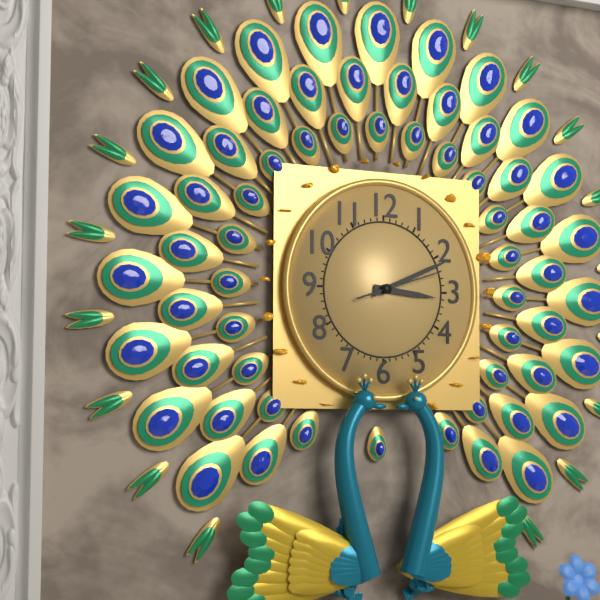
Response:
3,11,12
